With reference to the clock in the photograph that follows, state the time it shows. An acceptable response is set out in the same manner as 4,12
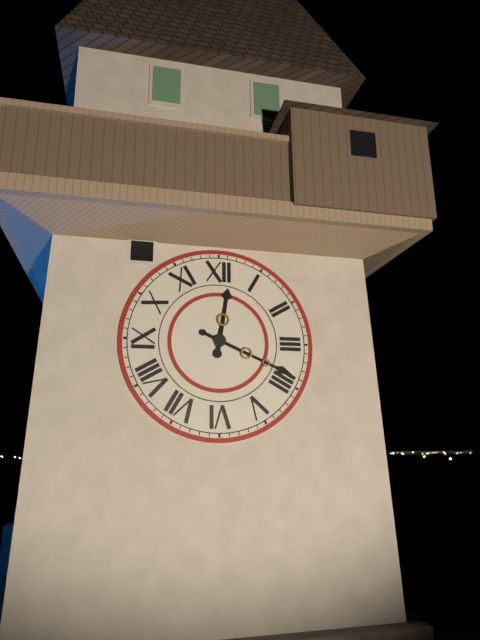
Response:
12,19
